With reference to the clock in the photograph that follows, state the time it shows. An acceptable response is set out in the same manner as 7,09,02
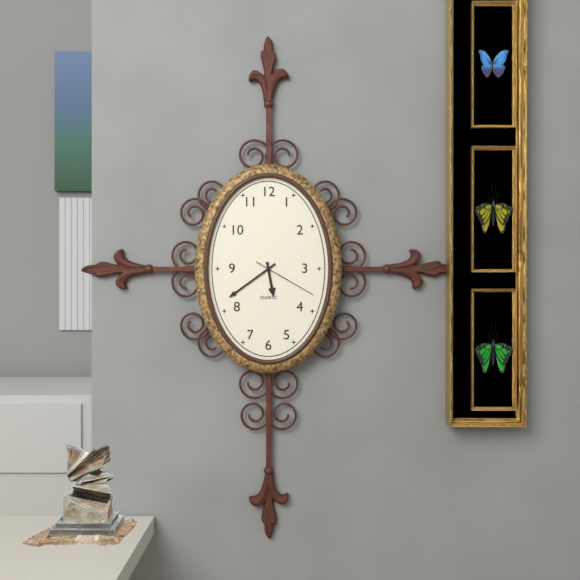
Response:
5,39,20
